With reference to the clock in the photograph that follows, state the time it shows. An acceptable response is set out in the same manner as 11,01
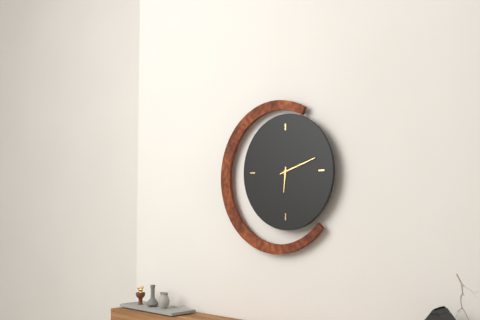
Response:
6,12
